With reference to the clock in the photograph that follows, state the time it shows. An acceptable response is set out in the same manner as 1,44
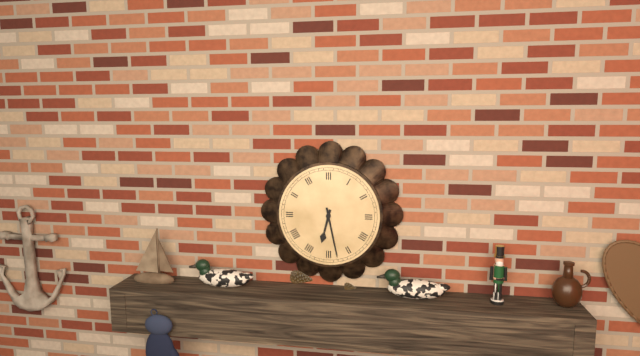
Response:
6,28
